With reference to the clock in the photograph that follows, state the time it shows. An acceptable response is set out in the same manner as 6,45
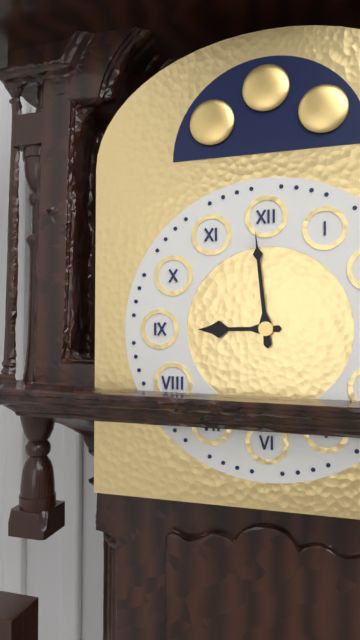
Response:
8,59
